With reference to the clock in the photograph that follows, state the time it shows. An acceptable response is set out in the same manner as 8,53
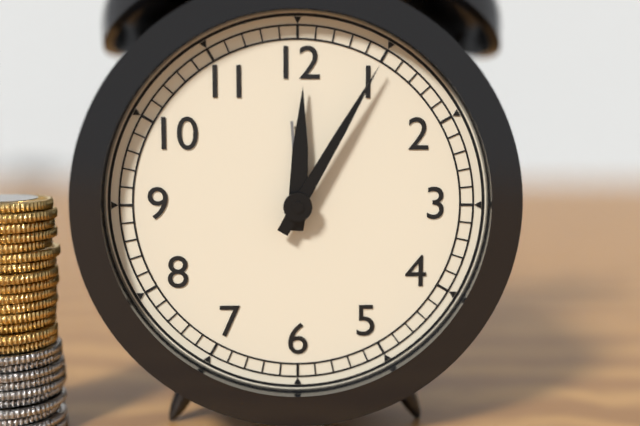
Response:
12,05
